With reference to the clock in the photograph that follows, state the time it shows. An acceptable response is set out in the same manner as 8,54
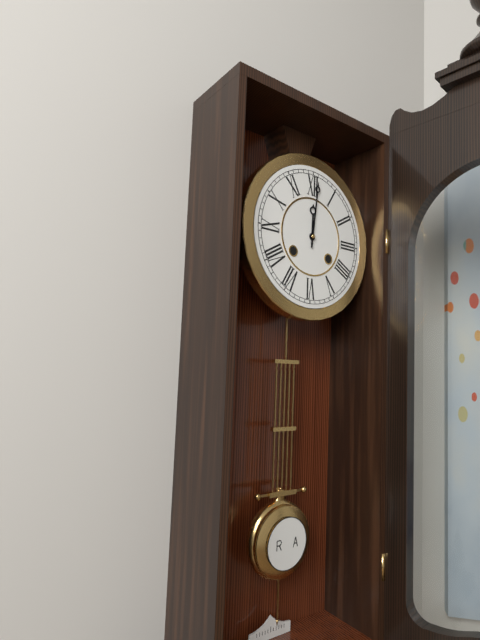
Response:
12,01
